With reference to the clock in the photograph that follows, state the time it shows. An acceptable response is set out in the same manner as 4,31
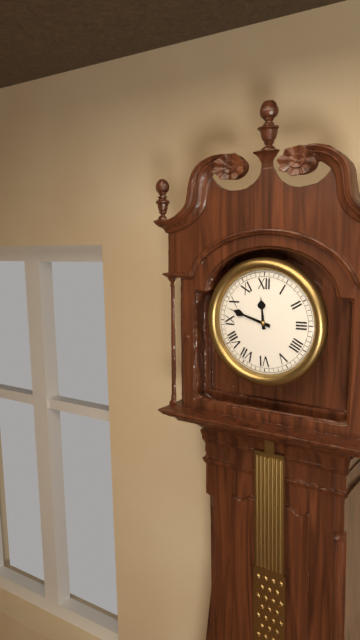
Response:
11,48
